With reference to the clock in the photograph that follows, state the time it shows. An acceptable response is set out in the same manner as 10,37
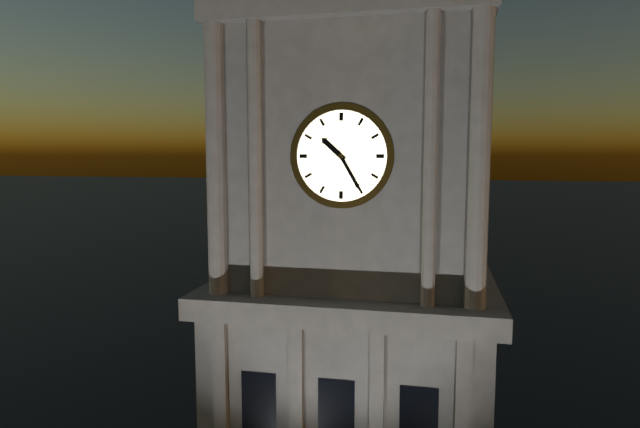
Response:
10,25
